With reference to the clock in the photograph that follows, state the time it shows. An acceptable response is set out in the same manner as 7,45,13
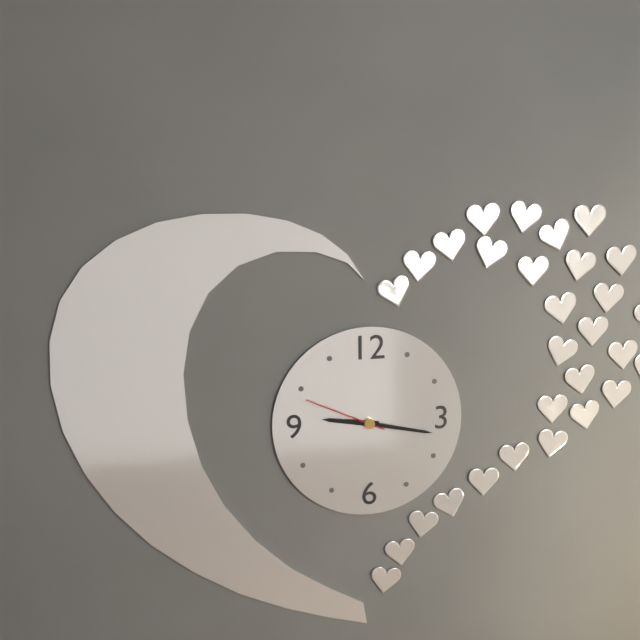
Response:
9,17,49
